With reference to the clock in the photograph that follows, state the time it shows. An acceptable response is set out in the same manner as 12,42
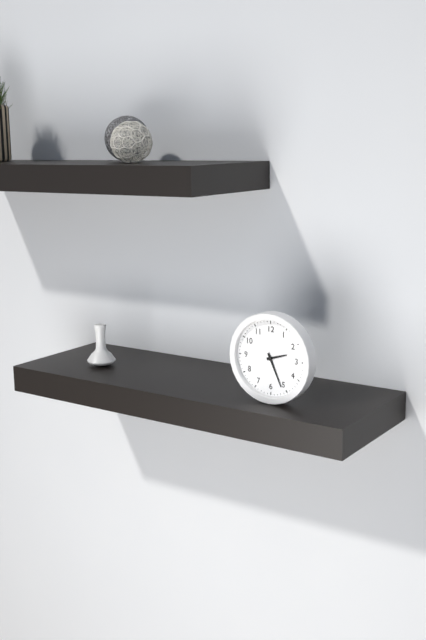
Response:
2,26
